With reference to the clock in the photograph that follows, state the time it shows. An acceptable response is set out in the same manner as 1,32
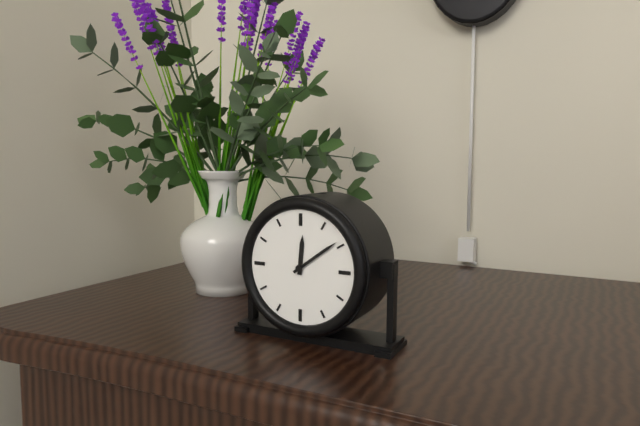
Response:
12,09
